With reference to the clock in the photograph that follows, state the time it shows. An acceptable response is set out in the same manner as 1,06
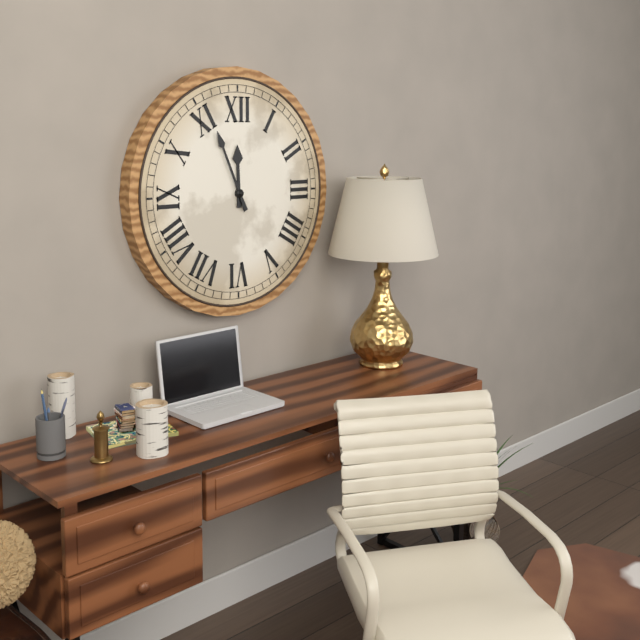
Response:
11,56
